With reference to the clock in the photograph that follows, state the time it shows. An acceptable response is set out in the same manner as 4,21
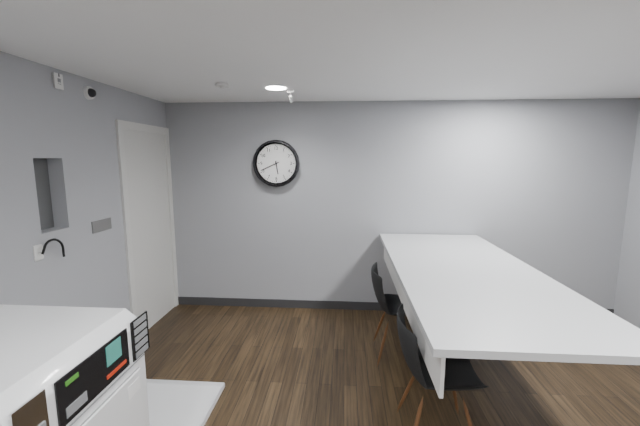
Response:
5,41
